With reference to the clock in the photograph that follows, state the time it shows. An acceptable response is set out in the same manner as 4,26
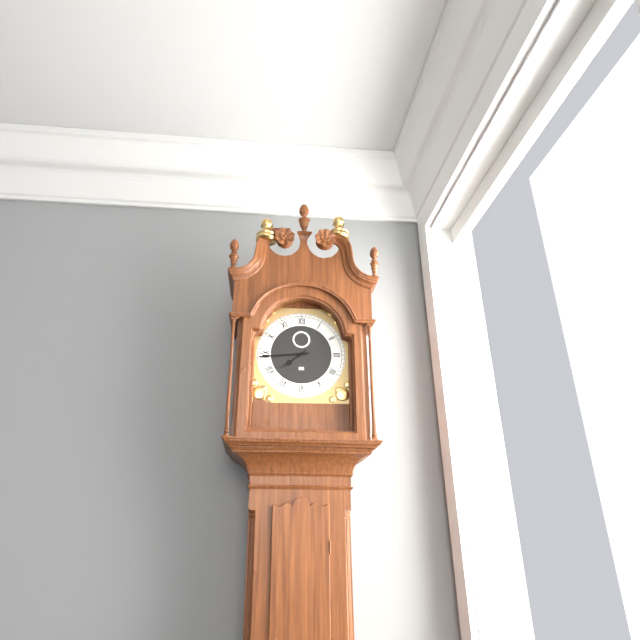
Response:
7,44
